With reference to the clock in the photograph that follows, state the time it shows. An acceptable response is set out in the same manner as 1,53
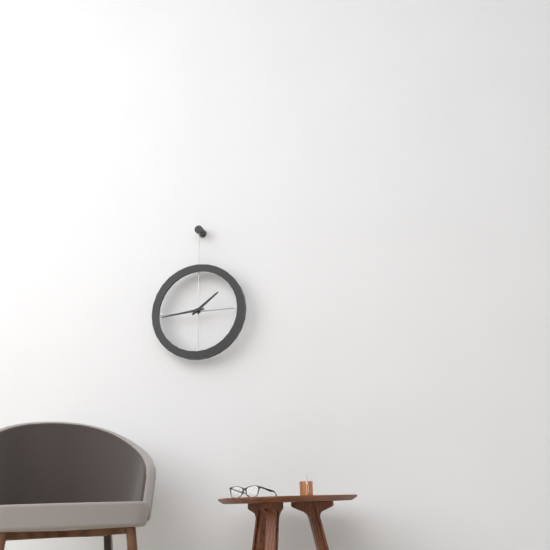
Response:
1,44
